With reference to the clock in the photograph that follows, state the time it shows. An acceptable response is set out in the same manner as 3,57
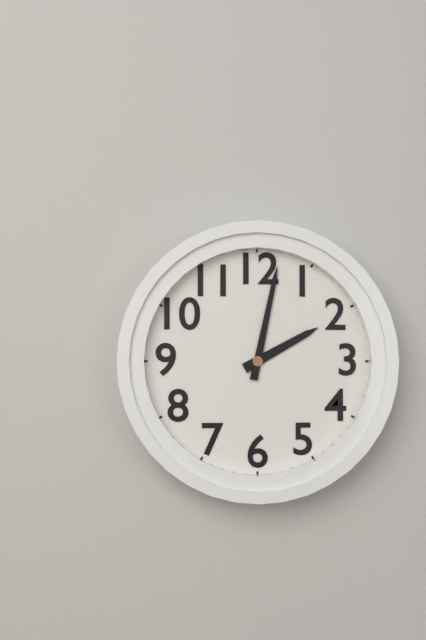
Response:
2,02
